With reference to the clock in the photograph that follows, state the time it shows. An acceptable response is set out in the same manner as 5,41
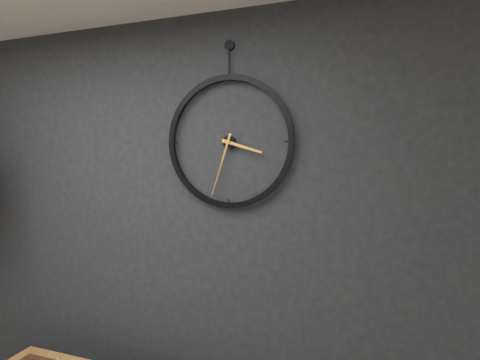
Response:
3,33
